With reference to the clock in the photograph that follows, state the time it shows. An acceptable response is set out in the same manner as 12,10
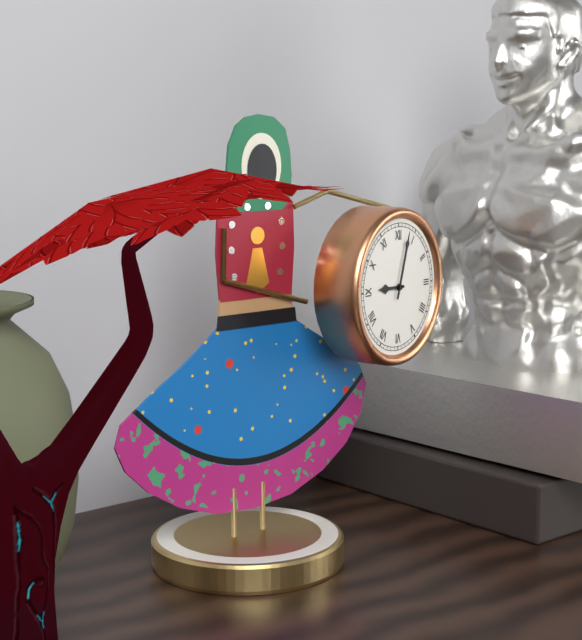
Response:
9,03
